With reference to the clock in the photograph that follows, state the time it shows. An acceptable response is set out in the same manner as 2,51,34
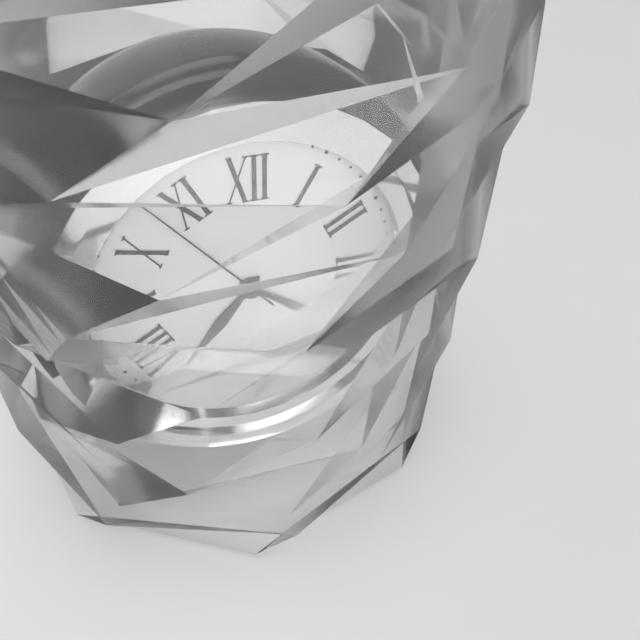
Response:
7,21,53
